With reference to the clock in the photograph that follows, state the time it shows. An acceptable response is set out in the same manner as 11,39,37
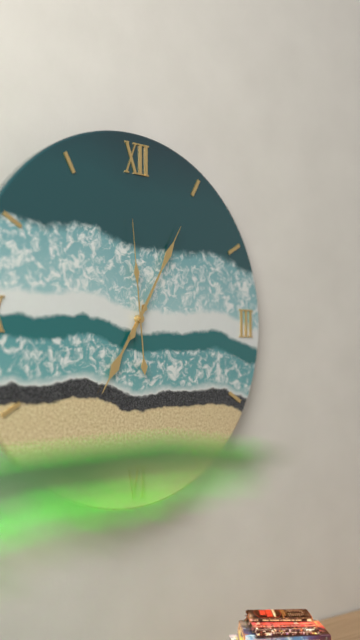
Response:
7,05,59
